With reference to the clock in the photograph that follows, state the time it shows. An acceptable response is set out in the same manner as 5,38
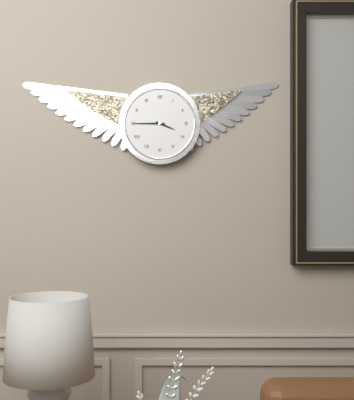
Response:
3,45
